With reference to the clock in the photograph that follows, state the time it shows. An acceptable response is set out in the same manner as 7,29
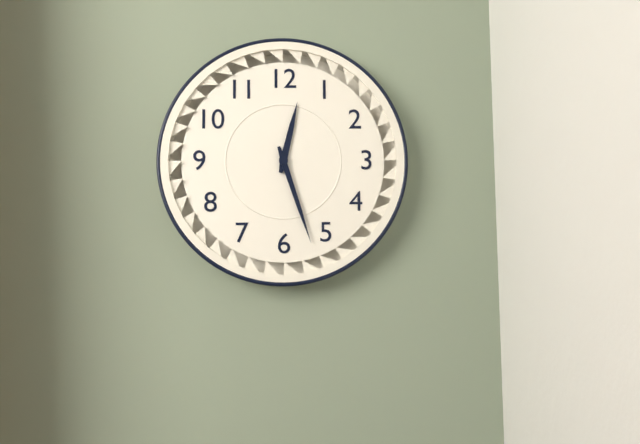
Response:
12,27
